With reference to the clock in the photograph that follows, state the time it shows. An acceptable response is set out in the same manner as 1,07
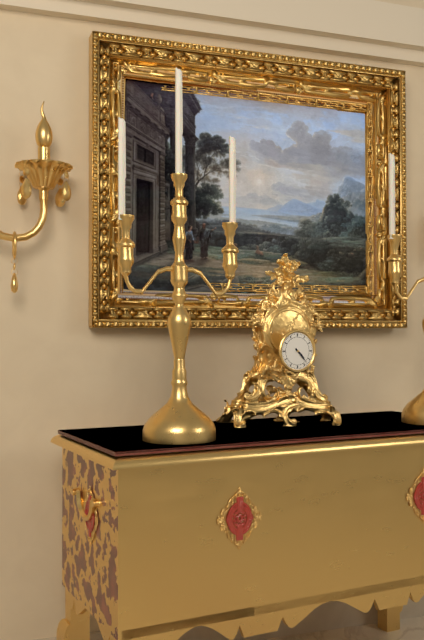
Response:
4,23
